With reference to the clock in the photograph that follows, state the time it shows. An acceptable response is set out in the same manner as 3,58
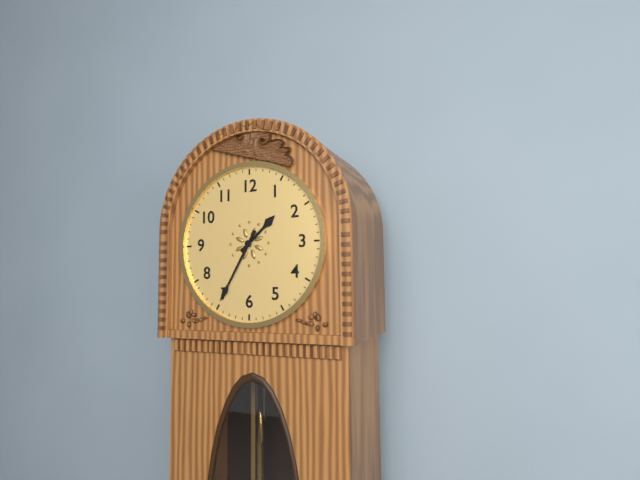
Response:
1,35
